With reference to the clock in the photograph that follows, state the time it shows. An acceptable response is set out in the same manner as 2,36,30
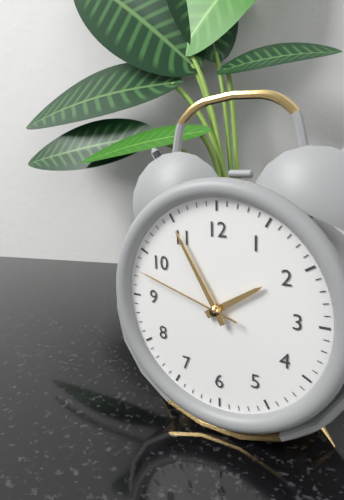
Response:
1,55,48
